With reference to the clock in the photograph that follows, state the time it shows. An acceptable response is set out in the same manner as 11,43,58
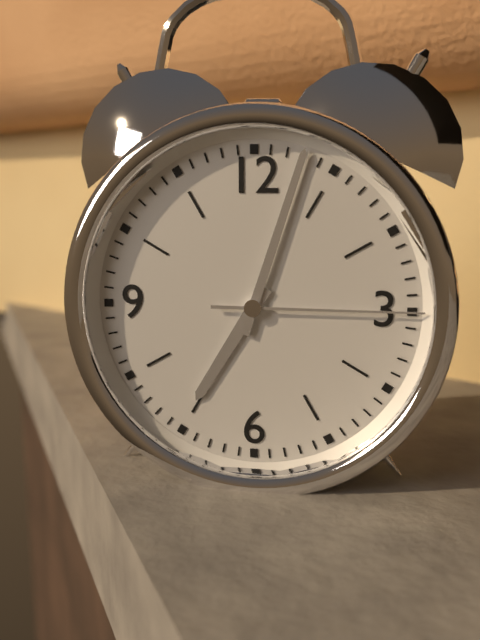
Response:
7,03,15
